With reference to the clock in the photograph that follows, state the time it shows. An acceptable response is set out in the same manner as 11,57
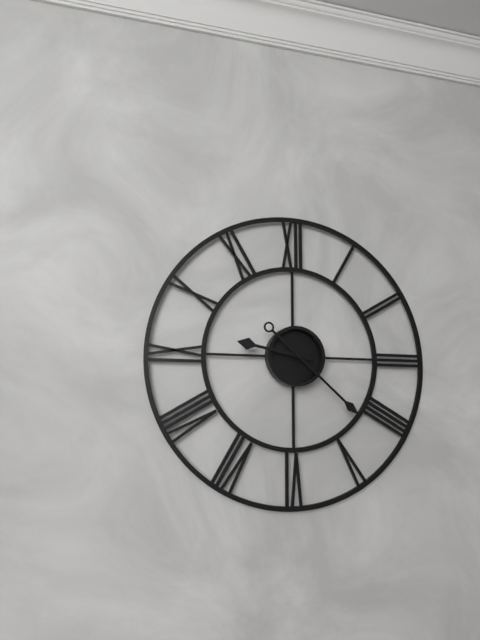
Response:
9,22
